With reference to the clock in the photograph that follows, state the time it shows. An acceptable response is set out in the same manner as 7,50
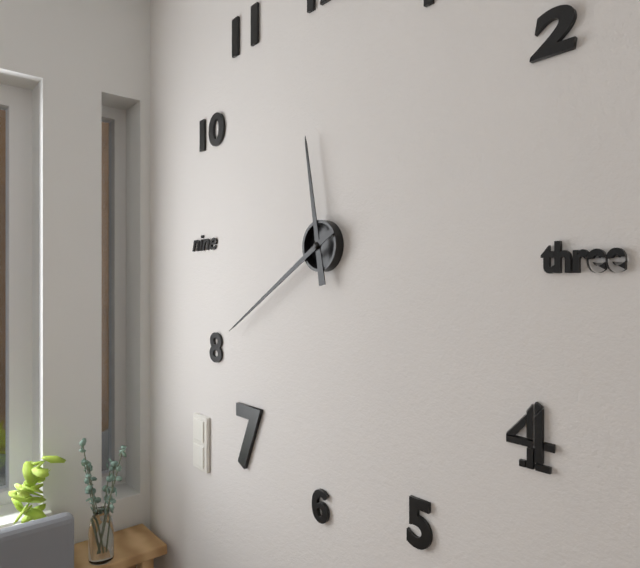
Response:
11,40
